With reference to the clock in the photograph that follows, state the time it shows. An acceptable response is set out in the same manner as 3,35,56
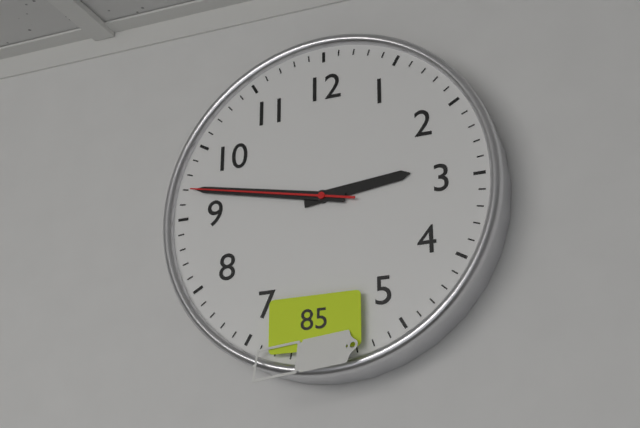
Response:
2,47,47
